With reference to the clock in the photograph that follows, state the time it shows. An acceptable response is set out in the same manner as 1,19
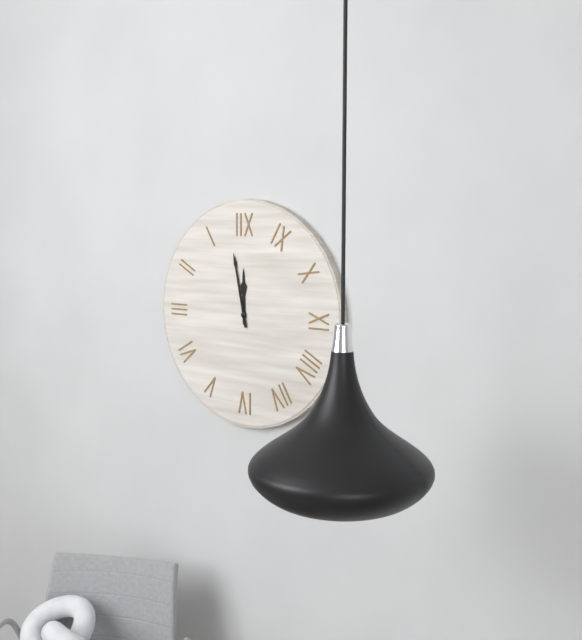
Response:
11,58
